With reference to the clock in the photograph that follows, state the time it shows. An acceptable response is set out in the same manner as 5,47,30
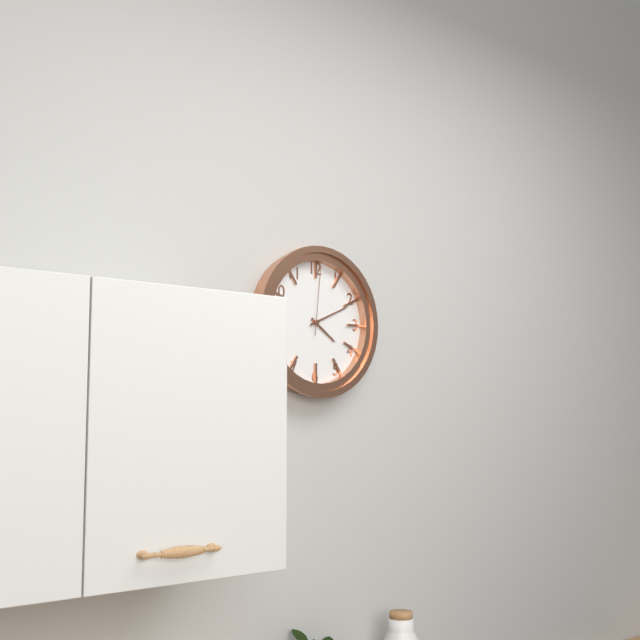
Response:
4,11,01
